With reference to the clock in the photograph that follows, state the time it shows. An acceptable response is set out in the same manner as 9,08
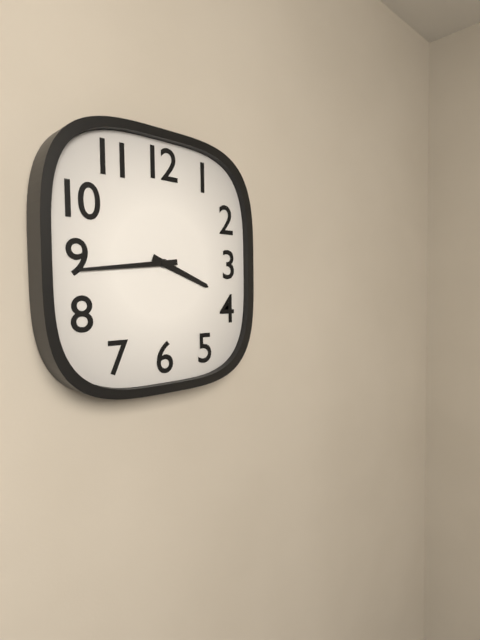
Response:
3,44
